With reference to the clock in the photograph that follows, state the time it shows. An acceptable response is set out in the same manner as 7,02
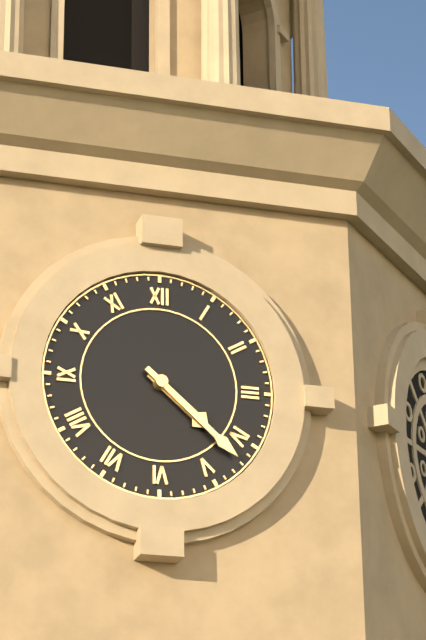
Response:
4,22
